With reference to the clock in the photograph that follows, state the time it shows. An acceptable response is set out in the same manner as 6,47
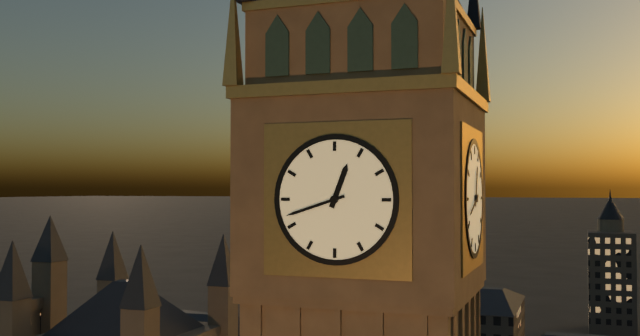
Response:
12,42
